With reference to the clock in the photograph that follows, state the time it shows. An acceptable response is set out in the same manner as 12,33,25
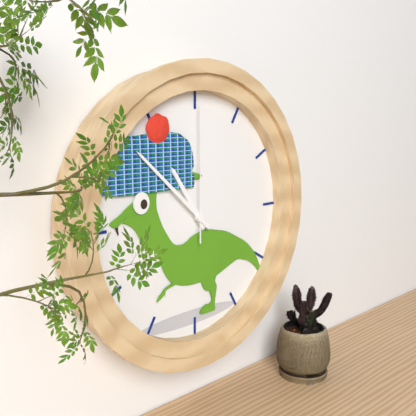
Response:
10,52,00
